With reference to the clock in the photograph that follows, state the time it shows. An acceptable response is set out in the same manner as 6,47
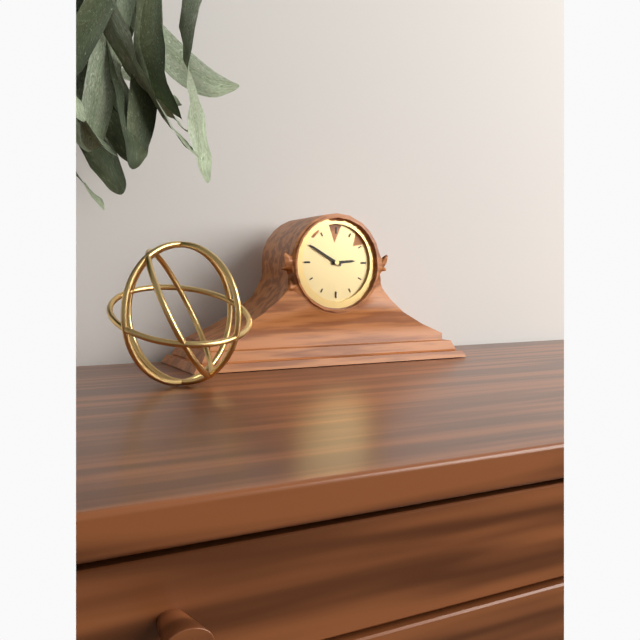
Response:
2,50
